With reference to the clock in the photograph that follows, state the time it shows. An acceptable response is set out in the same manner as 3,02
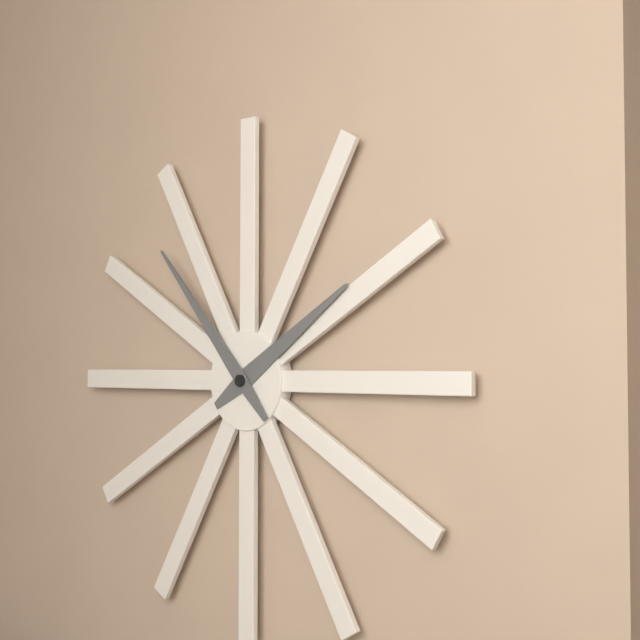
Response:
1,53
